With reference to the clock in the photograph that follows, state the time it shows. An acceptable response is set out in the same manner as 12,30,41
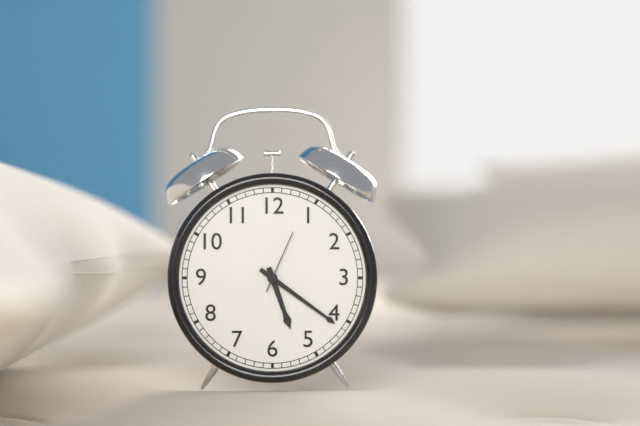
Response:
5,21,04
